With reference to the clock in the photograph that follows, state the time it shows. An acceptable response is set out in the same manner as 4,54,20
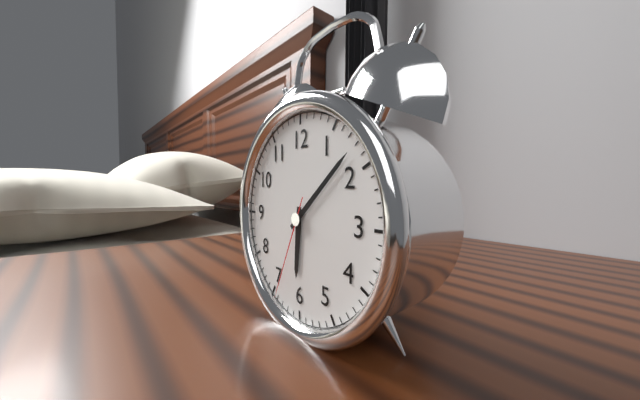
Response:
6,08,34
